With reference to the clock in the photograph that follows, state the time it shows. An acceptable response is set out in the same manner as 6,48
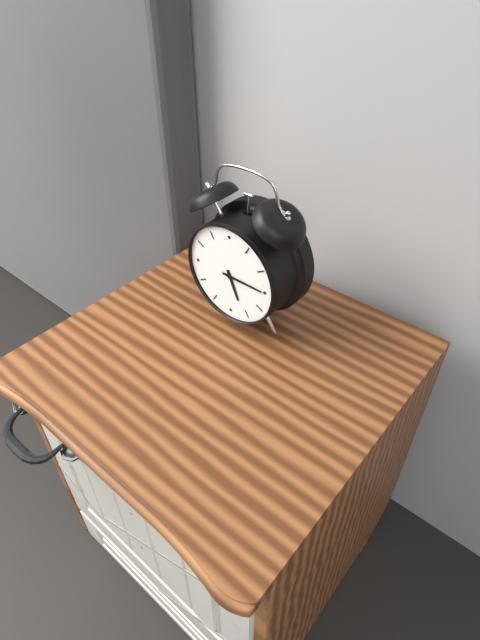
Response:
5,15
